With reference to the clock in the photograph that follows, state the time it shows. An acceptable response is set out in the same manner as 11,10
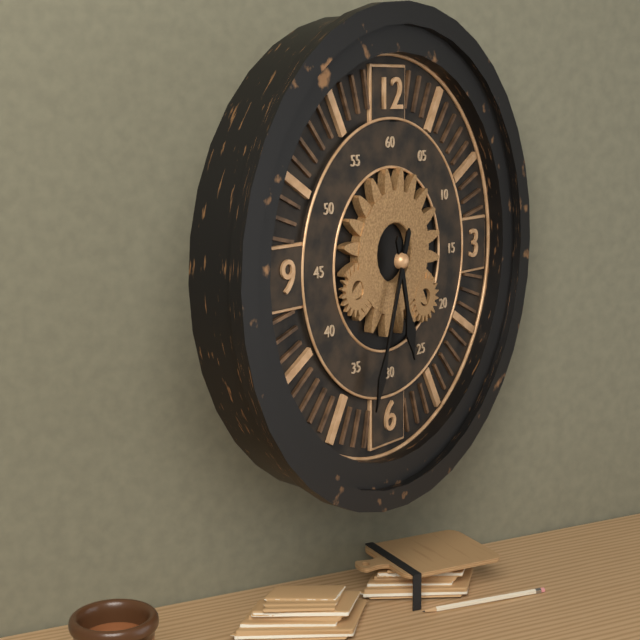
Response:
5,33
